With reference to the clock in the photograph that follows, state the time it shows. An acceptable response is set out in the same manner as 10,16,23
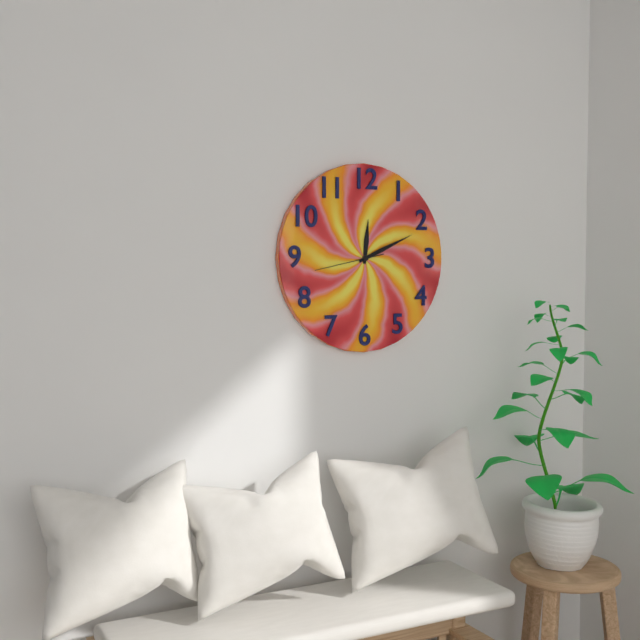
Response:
12,11,43
